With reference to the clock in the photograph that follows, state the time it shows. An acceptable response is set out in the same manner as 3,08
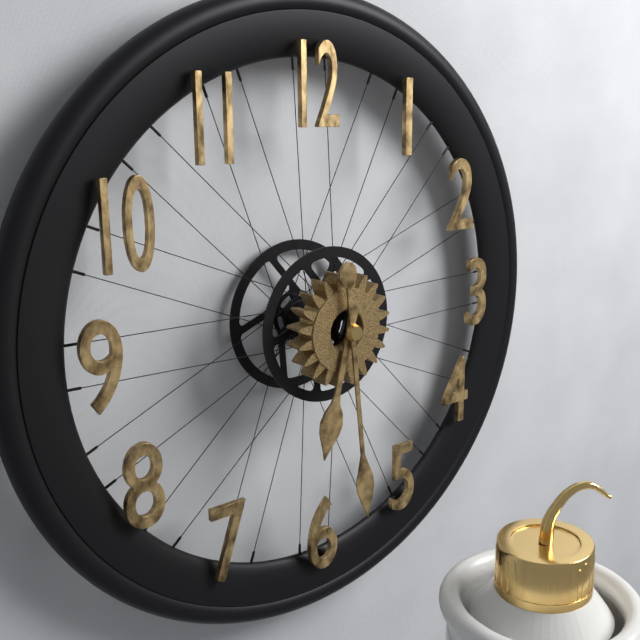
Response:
6,29
